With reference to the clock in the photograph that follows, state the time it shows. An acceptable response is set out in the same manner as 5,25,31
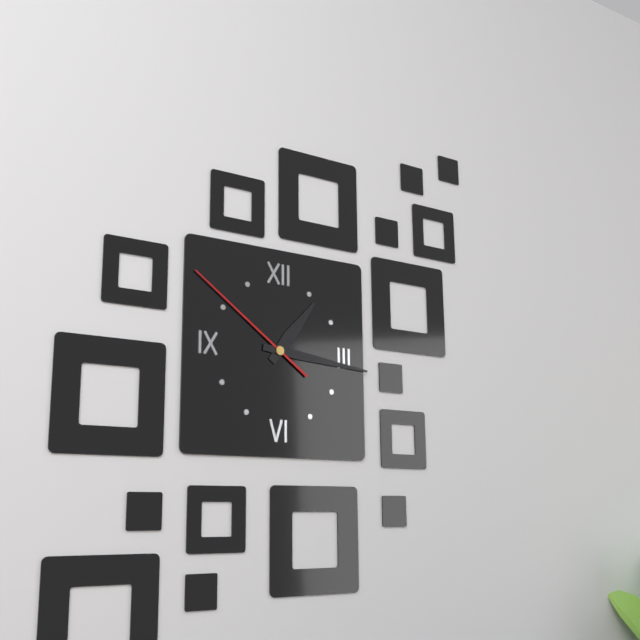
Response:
1,16,51
